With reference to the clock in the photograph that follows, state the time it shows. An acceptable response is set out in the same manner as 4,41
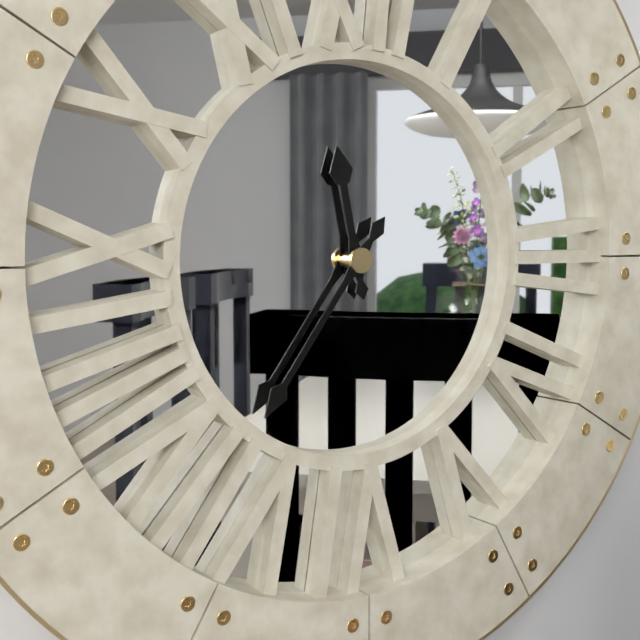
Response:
11,36
